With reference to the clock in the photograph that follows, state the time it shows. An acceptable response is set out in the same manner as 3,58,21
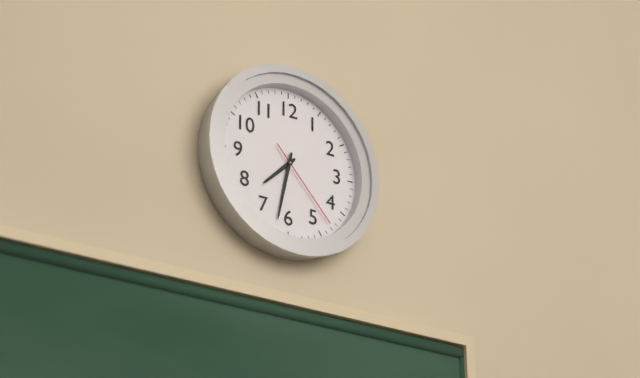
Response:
7,32,23
